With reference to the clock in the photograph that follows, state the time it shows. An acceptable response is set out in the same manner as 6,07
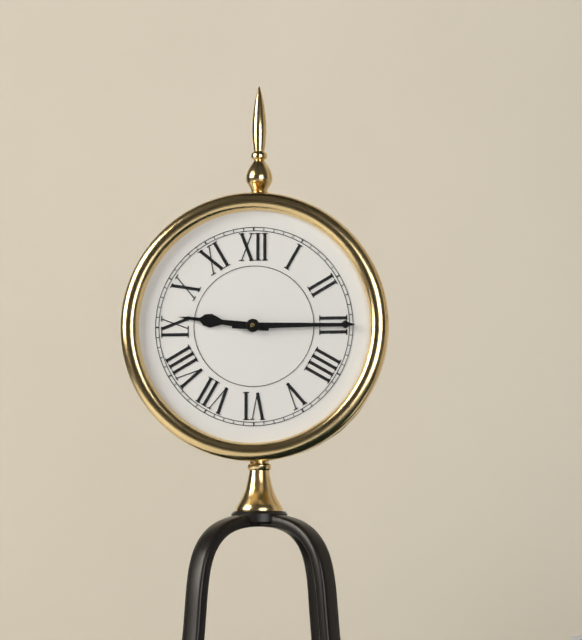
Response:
9,15
